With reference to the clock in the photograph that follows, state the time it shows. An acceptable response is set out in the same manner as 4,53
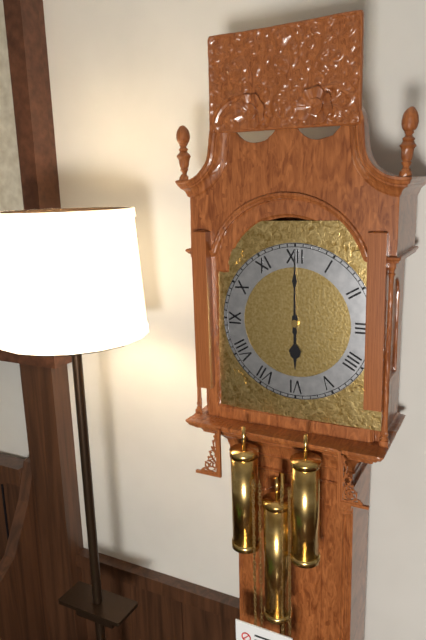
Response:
6,00
